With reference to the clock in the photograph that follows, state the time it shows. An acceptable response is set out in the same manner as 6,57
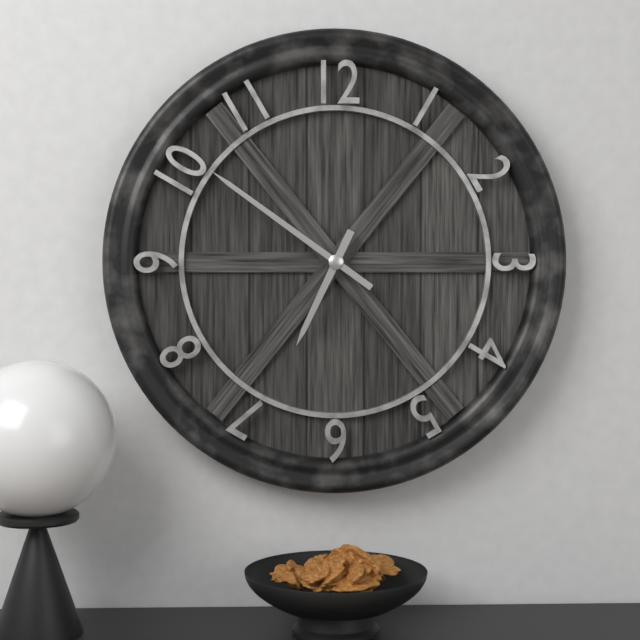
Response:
6,51
